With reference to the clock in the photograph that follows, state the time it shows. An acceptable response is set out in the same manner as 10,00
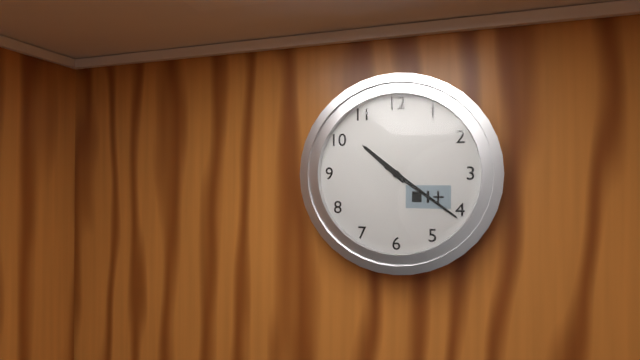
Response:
10,21
